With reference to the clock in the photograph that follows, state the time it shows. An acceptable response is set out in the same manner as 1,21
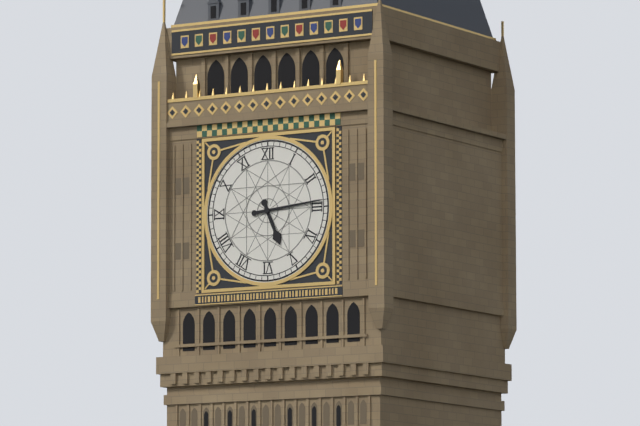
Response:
5,14
